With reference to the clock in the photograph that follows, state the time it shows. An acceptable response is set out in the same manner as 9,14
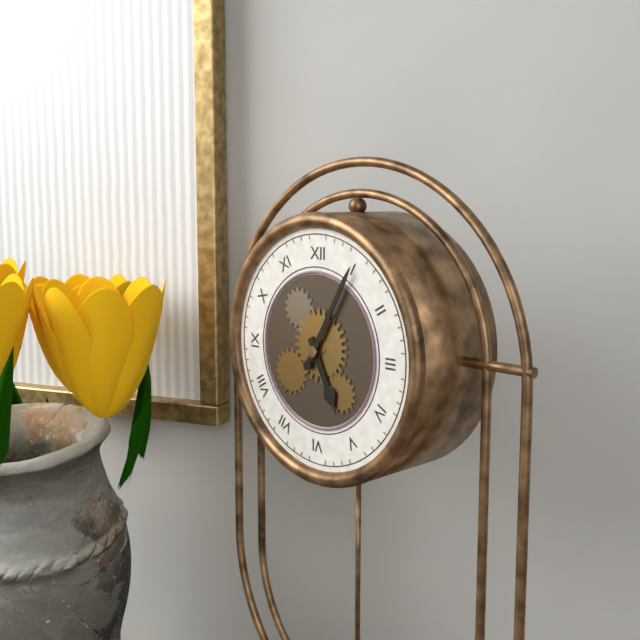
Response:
5,05
